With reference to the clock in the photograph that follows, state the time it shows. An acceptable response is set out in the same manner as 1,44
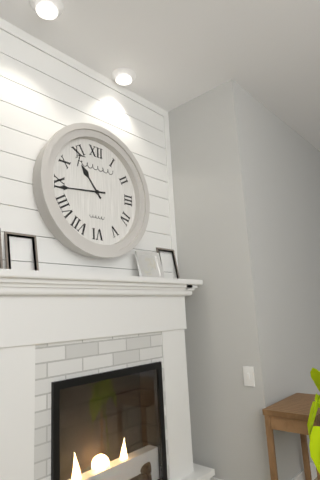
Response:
10,44
